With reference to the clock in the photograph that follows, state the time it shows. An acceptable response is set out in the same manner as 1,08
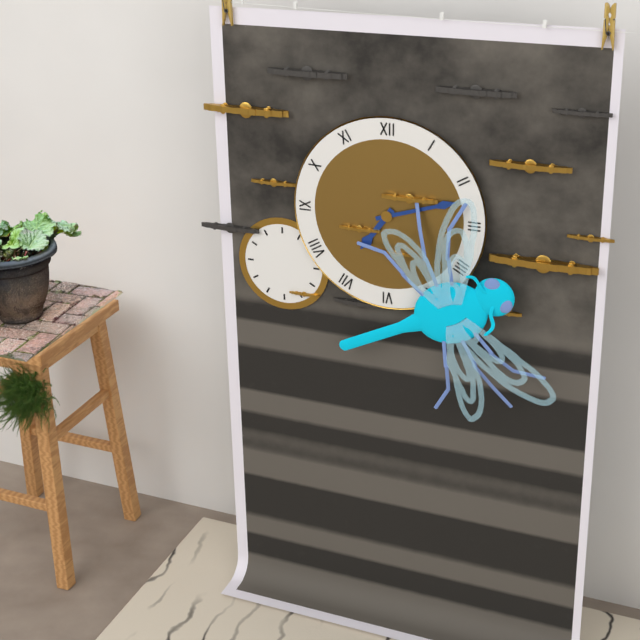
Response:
7,12
